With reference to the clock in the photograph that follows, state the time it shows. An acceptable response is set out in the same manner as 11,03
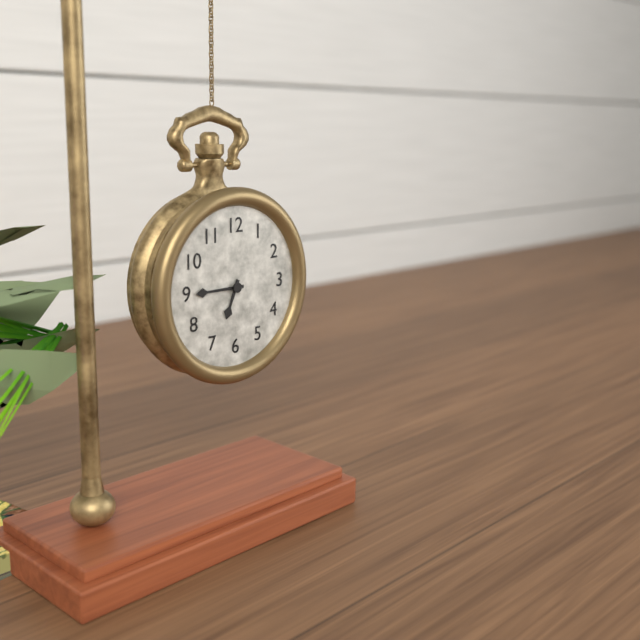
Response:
6,45
